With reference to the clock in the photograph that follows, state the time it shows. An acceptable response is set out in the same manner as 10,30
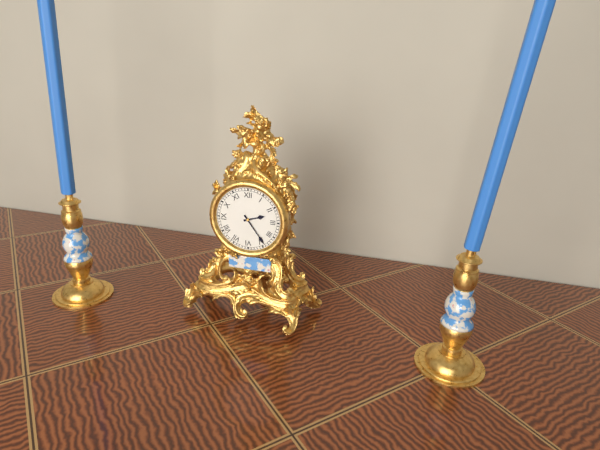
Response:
2,24
